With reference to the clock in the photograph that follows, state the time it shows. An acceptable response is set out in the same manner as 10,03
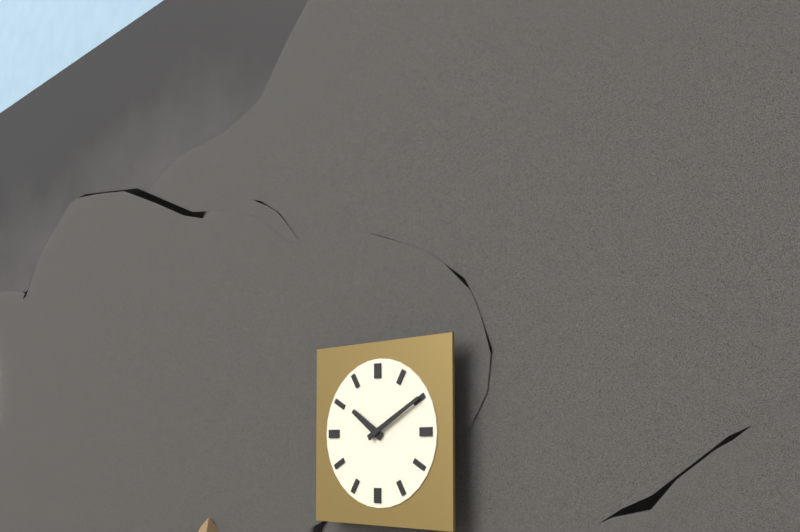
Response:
10,10
